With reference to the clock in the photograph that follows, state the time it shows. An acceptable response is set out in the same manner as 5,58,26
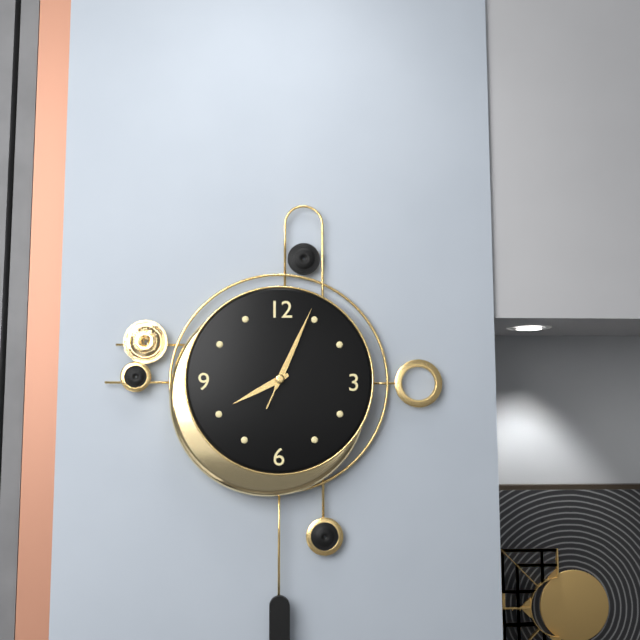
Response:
8,04,04
